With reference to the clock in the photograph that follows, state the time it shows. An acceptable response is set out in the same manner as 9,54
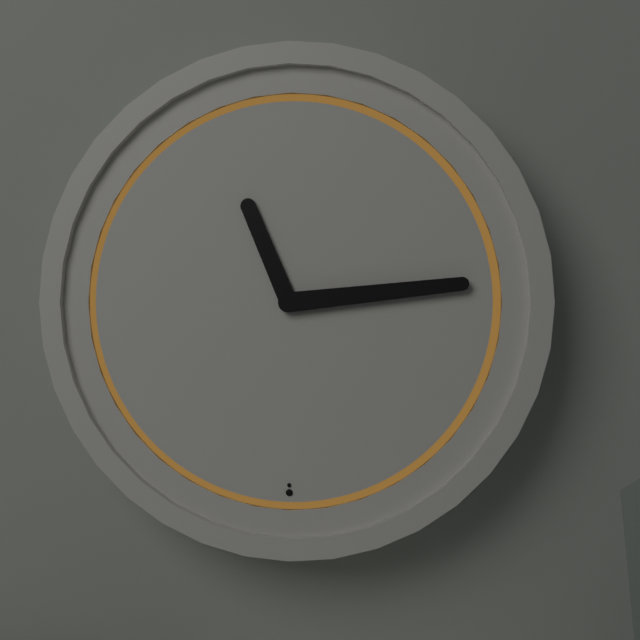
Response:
11,14
